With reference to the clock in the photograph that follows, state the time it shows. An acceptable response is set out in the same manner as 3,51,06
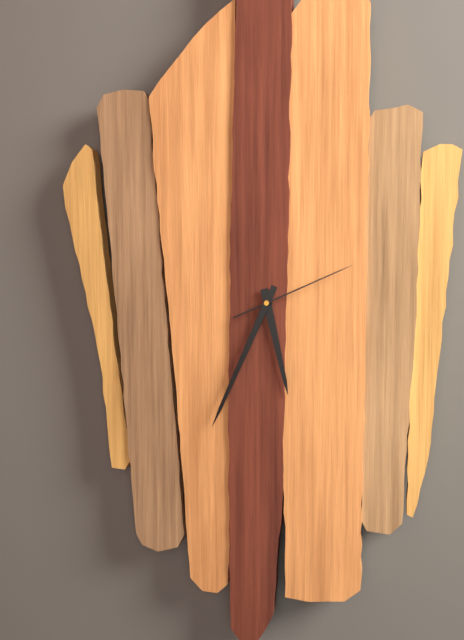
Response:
5,34,11
